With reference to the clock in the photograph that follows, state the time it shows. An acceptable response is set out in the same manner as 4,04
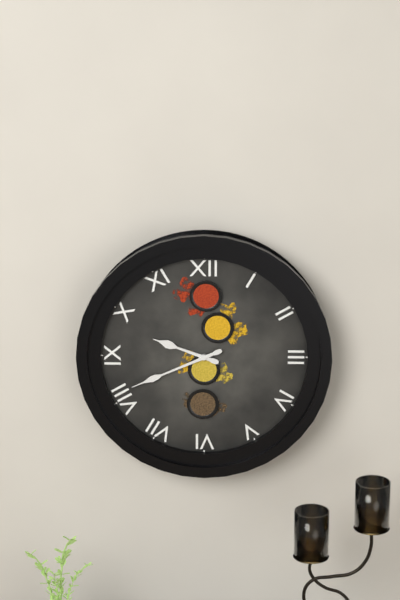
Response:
9,41
